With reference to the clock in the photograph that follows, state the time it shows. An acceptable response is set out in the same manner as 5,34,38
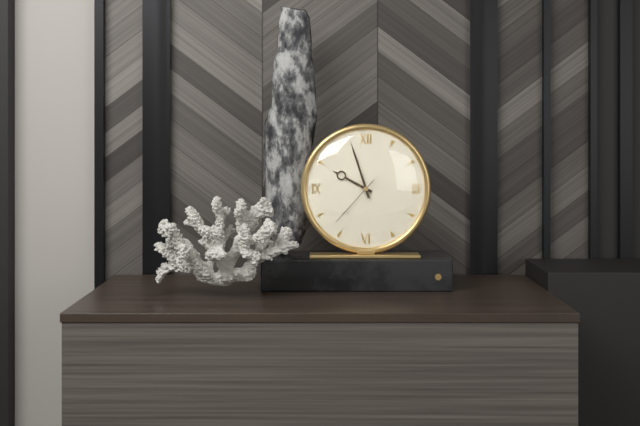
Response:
9,57,37
